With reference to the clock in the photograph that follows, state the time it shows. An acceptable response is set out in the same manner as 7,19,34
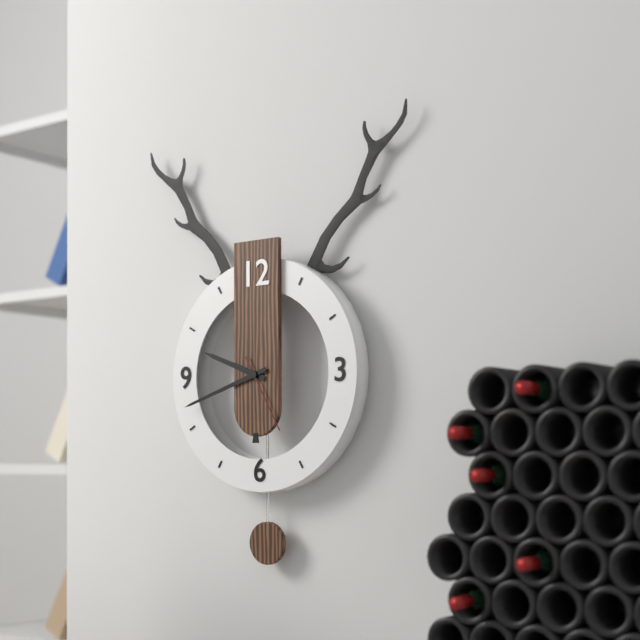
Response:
9,42,25
